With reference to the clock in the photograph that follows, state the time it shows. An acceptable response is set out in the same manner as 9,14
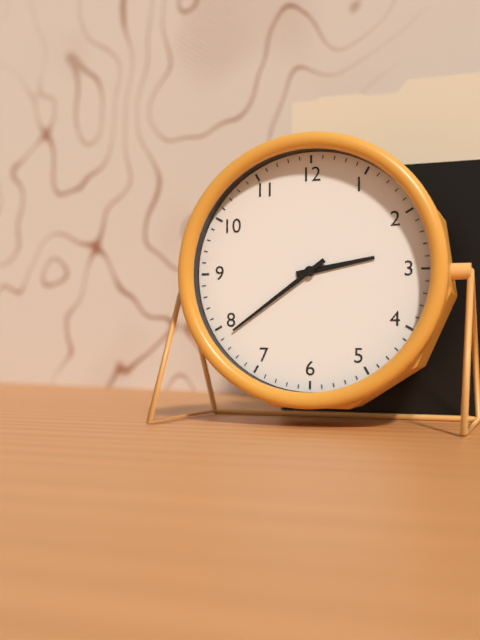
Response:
2,39
